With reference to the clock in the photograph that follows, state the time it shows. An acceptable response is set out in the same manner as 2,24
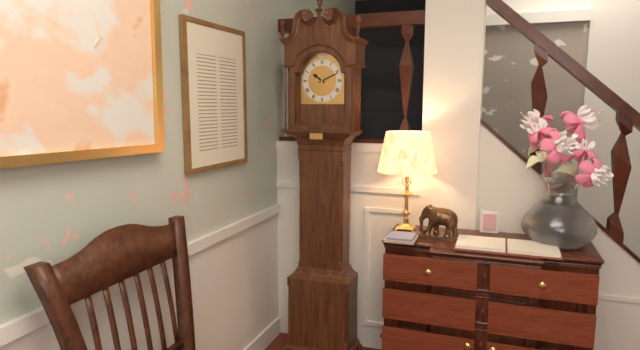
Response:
10,11
